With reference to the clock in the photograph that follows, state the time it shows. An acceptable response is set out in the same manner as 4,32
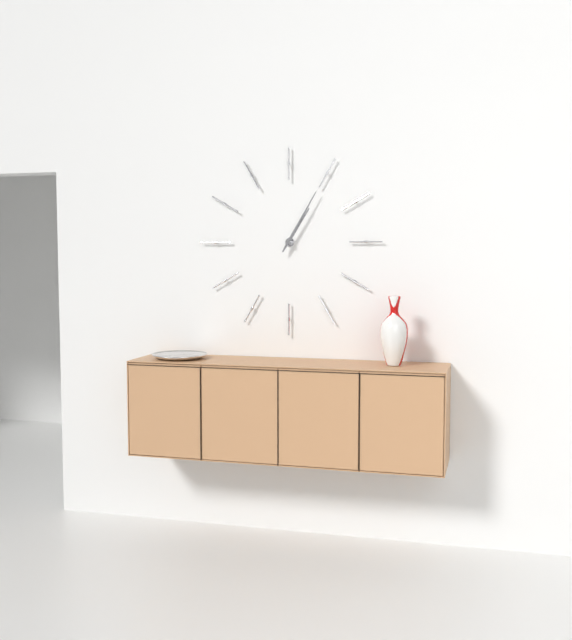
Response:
1,05
